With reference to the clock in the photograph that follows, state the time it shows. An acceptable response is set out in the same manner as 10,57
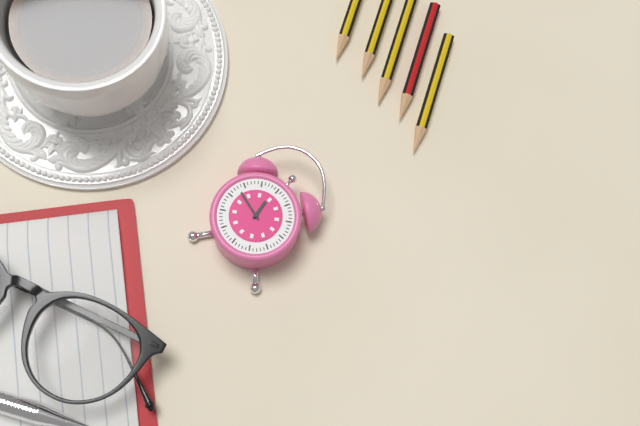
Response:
11,48
